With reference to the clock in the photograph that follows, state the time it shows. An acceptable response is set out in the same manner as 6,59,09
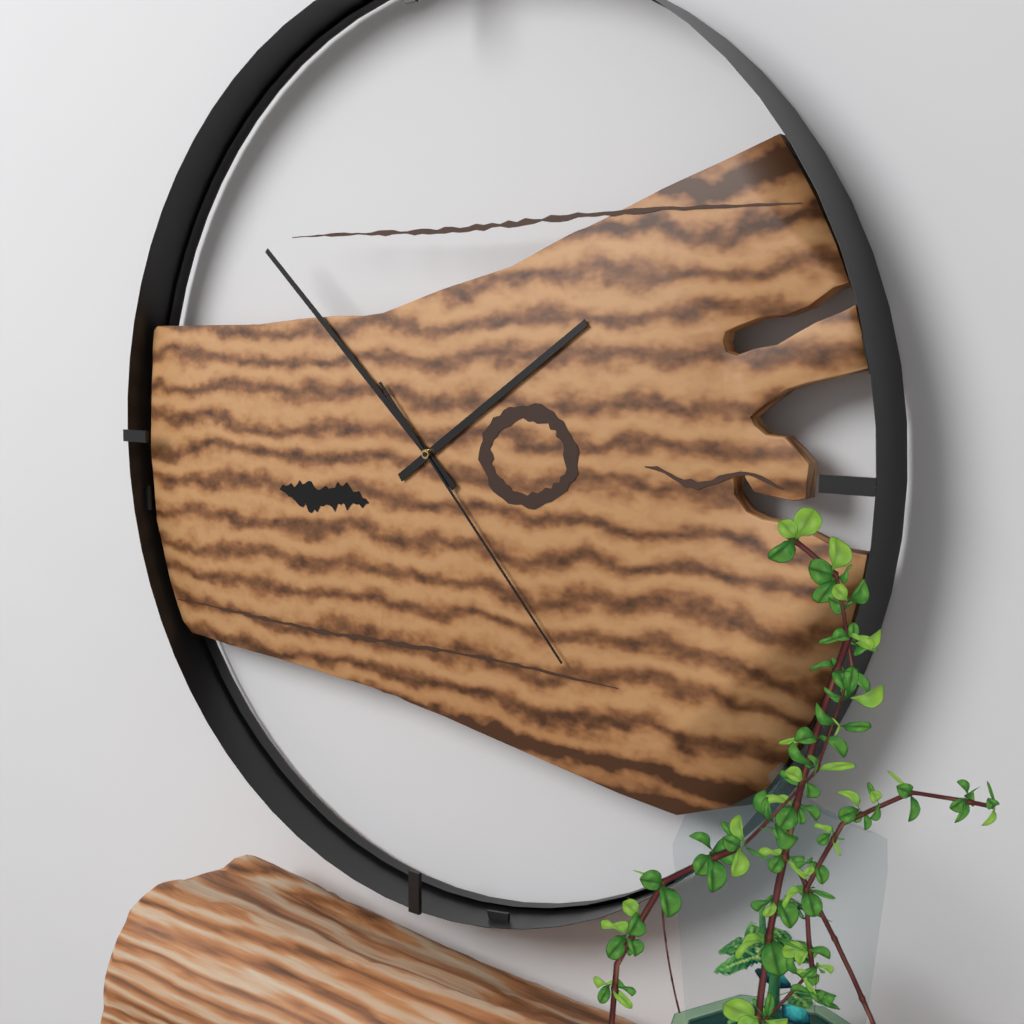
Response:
1,52,23
